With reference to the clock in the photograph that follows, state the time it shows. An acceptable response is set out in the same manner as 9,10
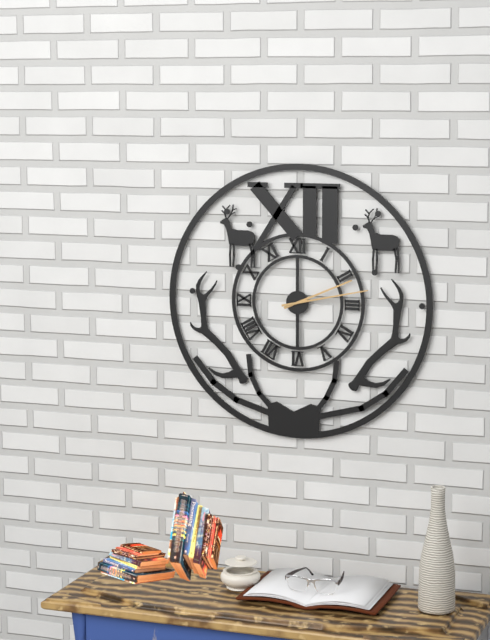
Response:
2,13
